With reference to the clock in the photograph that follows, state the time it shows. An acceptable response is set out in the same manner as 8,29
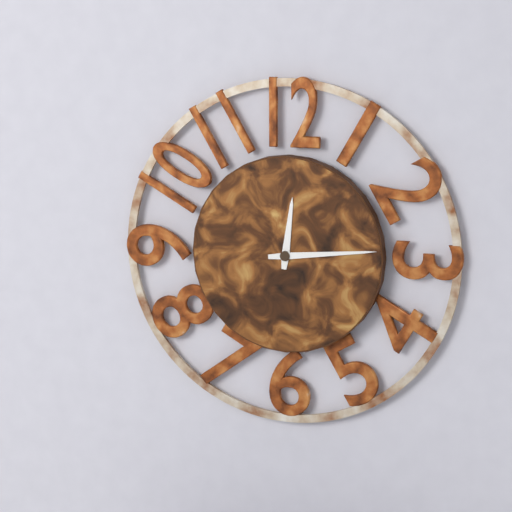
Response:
12,14
